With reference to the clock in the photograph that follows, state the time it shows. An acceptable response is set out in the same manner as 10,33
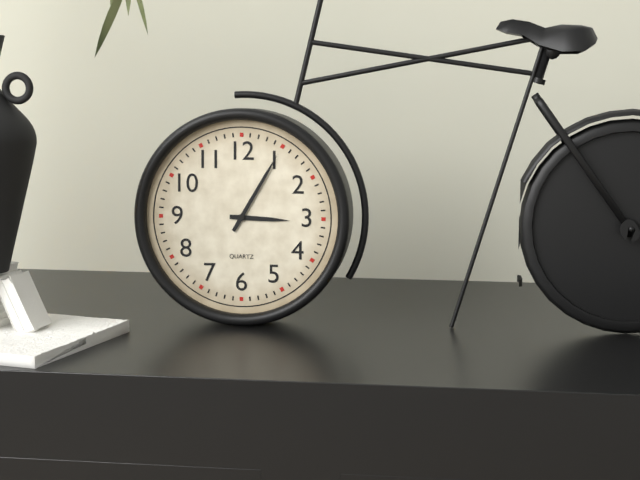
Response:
3,05
